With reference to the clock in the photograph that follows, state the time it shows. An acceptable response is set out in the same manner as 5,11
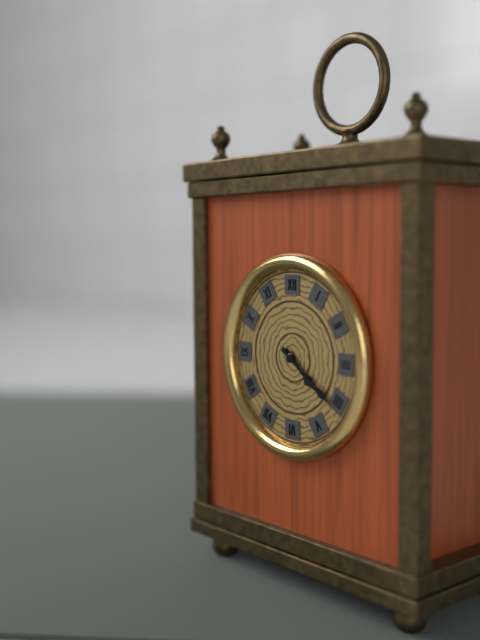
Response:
4,21
